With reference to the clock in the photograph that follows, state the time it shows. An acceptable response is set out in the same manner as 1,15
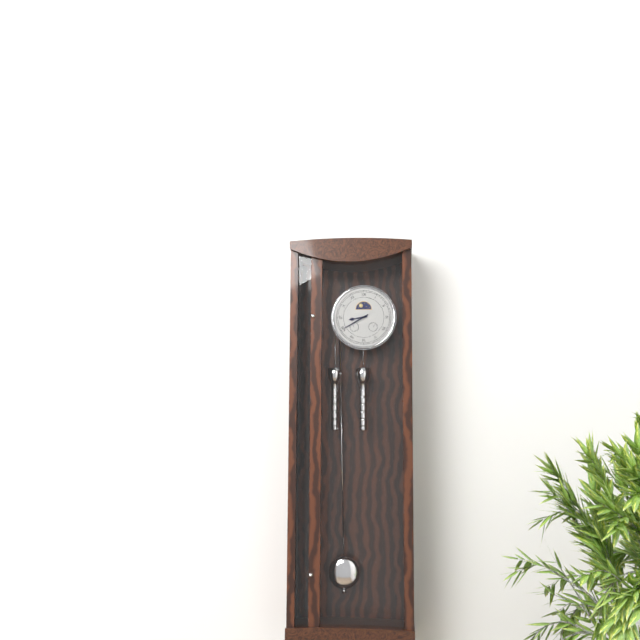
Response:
8,40
